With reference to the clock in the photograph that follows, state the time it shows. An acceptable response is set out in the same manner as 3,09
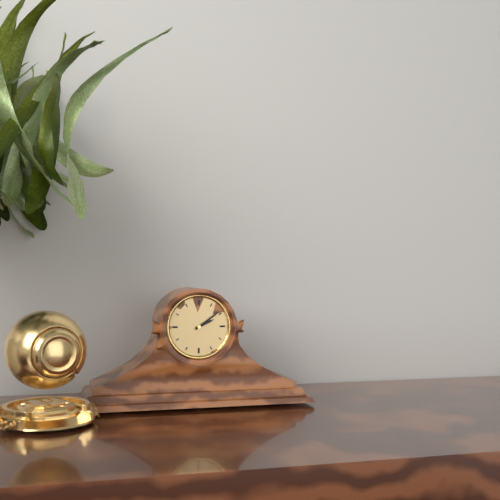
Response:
2,09
